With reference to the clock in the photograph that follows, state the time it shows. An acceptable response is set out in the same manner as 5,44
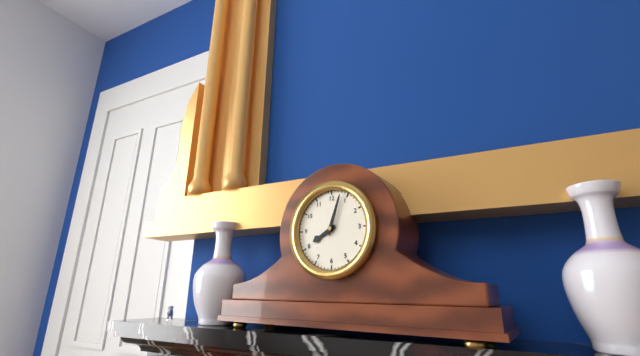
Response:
8,03
